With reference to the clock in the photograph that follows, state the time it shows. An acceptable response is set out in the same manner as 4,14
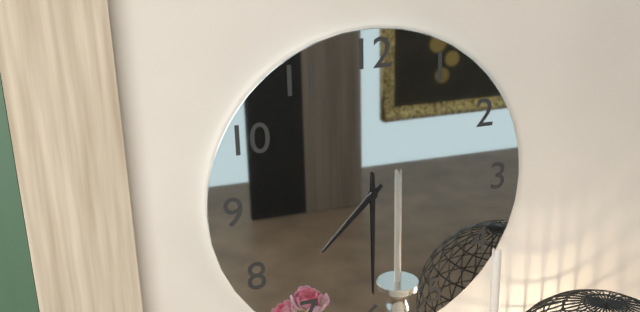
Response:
7,30
